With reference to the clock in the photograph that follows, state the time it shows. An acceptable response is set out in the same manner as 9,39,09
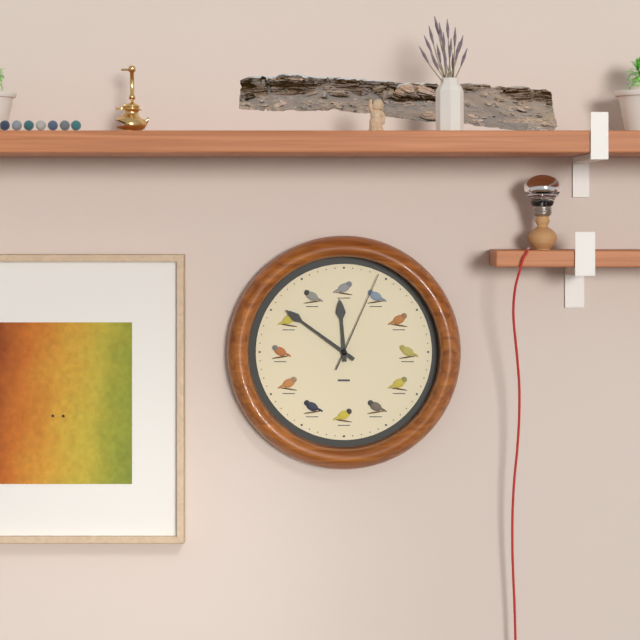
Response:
11,51,04
